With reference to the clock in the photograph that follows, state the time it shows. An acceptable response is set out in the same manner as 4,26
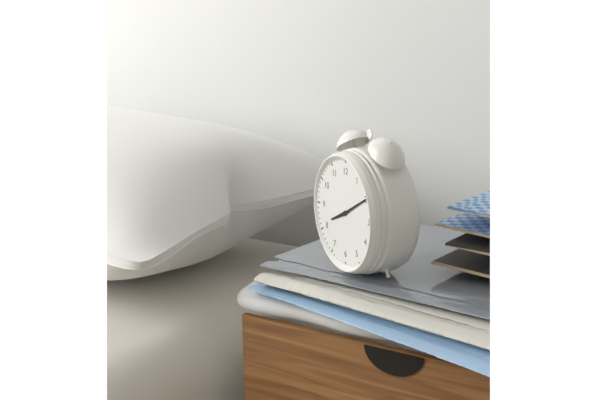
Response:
8,10
